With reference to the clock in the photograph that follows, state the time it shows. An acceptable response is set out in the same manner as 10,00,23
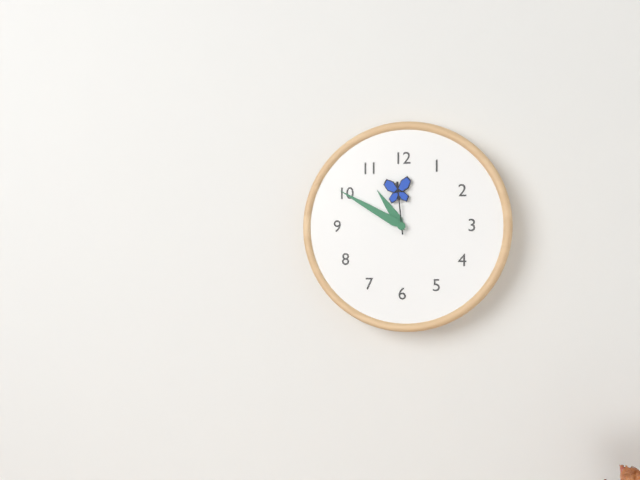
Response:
10,50,59
